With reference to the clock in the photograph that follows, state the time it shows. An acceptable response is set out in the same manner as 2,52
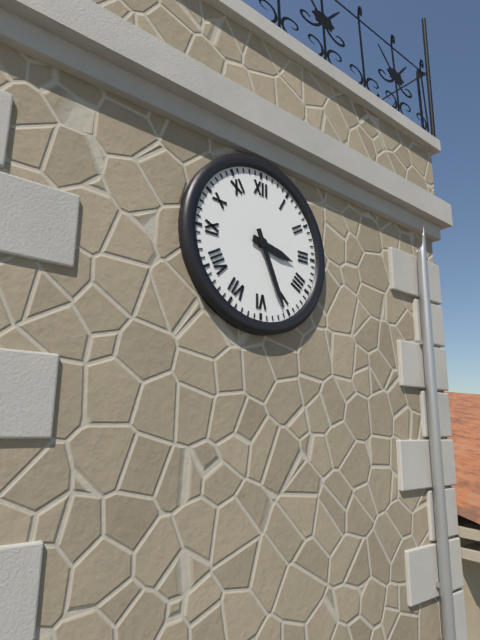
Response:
3,26
